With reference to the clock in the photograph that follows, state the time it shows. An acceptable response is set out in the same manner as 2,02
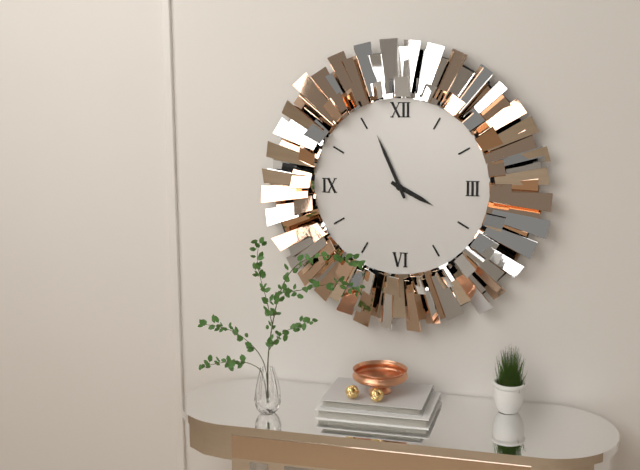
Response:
3,56
